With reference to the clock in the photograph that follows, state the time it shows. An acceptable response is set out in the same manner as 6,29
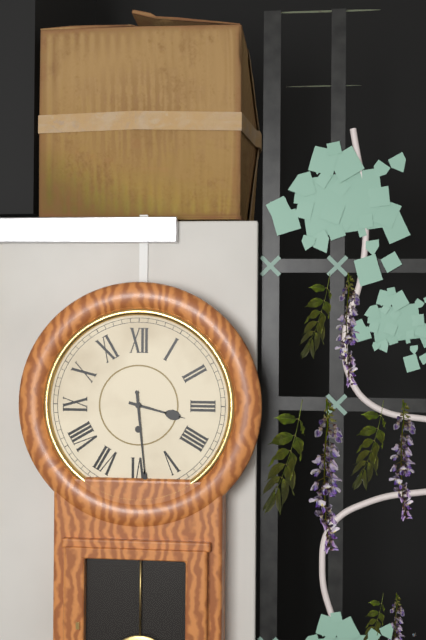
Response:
3,29
